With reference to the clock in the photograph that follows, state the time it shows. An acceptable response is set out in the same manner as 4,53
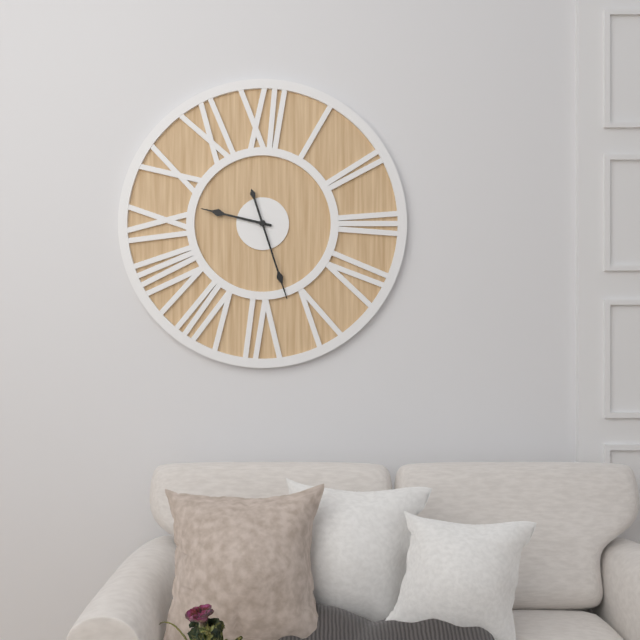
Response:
9,27
